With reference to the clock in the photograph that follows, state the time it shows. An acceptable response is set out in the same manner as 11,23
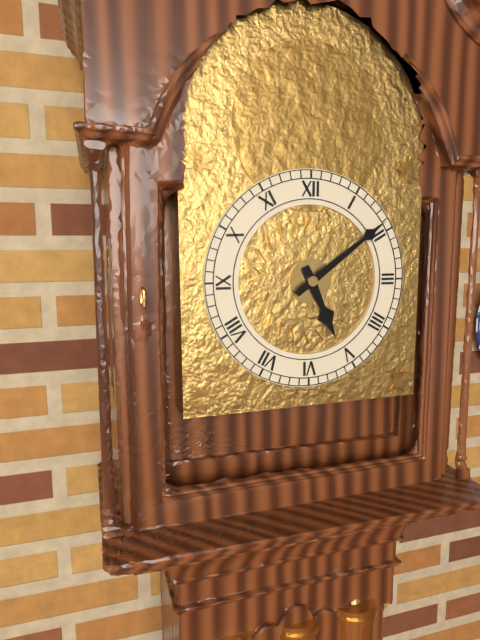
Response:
5,09
